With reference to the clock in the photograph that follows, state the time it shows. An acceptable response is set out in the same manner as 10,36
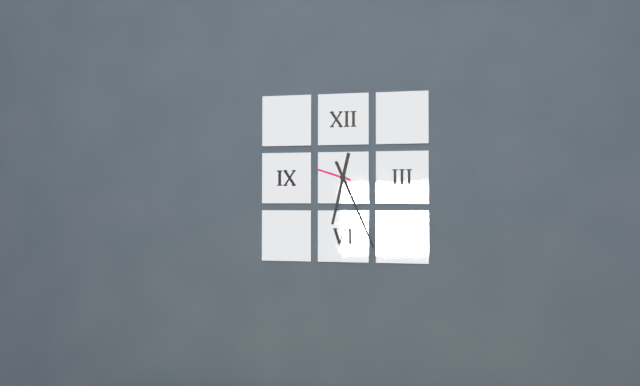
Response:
6,26
